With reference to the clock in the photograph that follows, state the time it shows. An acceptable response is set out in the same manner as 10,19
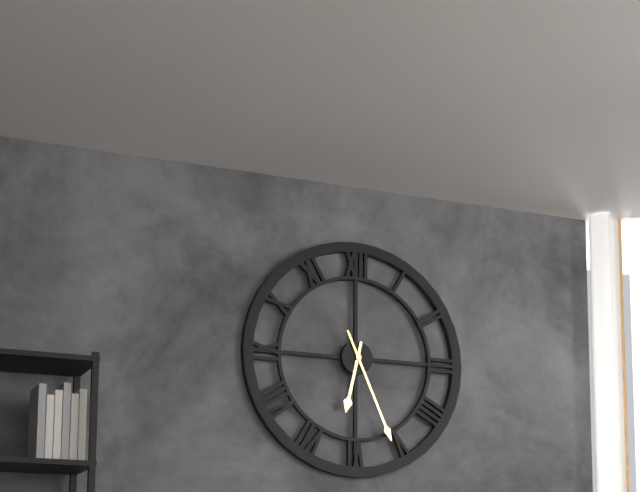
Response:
6,26
